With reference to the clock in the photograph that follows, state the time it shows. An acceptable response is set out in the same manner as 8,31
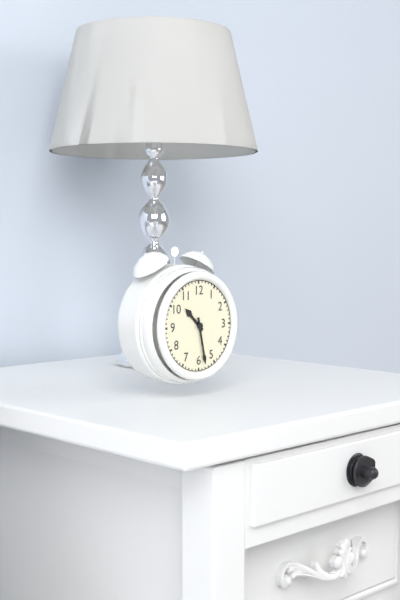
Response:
10,28
